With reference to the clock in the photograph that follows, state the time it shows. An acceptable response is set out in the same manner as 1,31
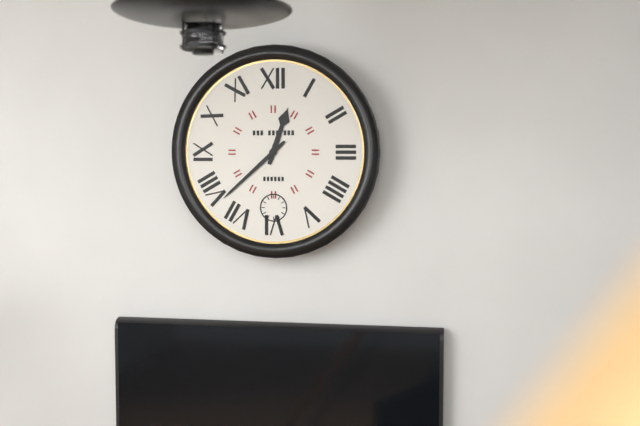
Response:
12,38
